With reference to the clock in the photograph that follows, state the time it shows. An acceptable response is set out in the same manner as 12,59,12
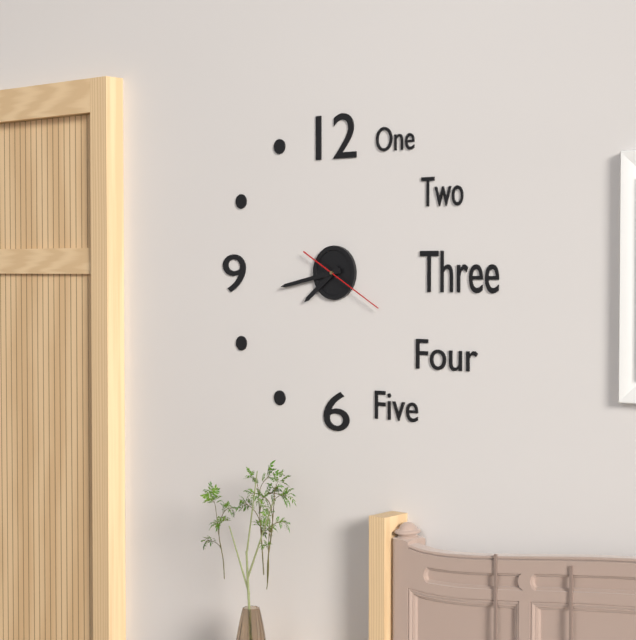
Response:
7,43,20
